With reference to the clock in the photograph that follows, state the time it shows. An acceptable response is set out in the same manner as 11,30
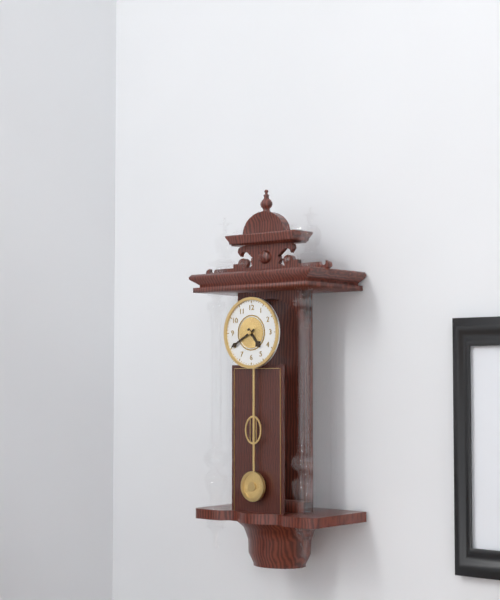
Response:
4,40
